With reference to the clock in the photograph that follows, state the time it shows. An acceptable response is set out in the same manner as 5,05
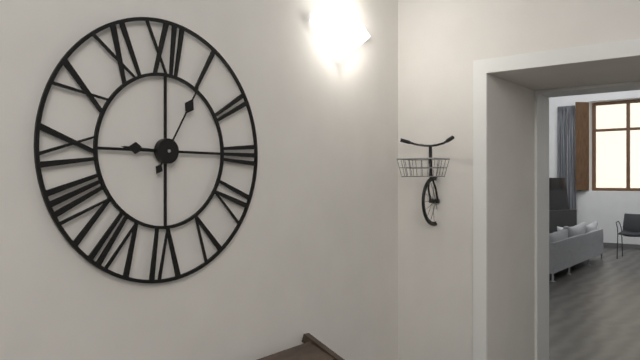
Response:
9,05
